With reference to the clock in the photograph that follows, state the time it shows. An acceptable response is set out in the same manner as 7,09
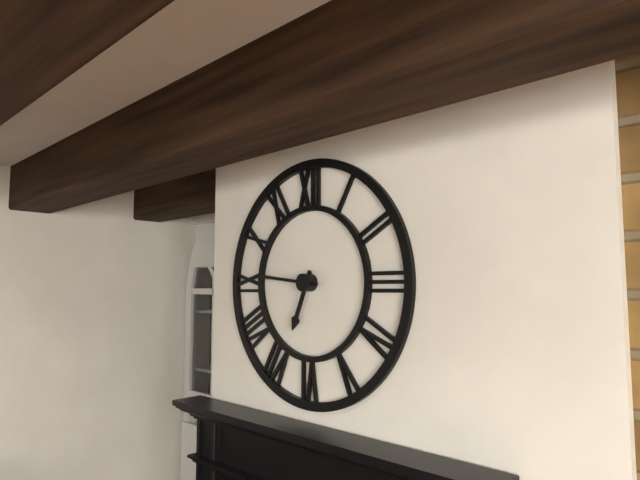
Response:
6,46
